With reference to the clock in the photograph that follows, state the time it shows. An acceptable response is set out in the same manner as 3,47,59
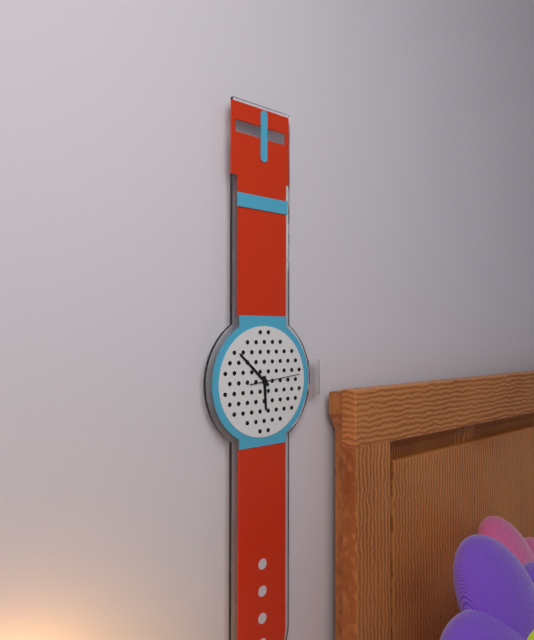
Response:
5,52,14
